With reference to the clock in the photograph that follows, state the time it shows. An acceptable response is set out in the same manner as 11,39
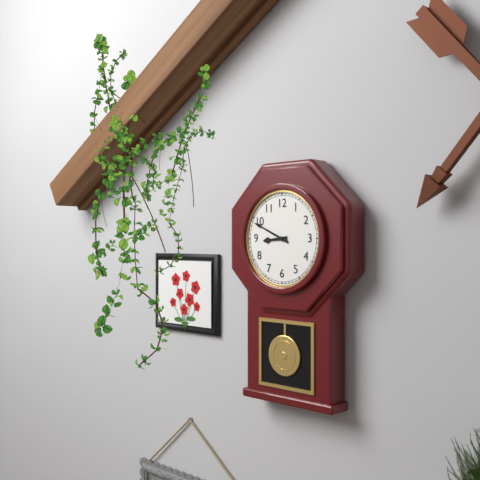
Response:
8,49
